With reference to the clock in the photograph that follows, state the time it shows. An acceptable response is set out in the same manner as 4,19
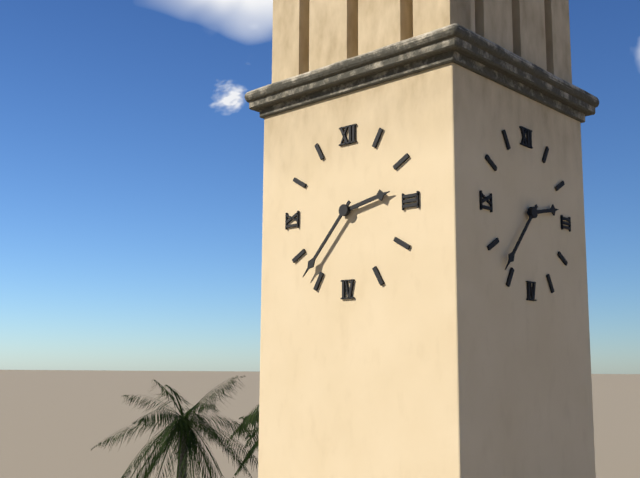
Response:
2,37
